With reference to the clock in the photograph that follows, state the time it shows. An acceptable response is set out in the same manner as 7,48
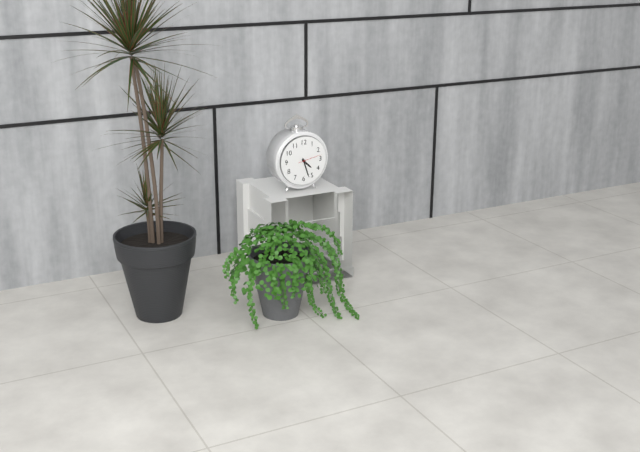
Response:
4,27
